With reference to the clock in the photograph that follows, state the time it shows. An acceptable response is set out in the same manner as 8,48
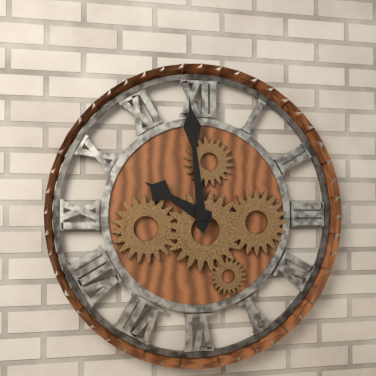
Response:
9,59
